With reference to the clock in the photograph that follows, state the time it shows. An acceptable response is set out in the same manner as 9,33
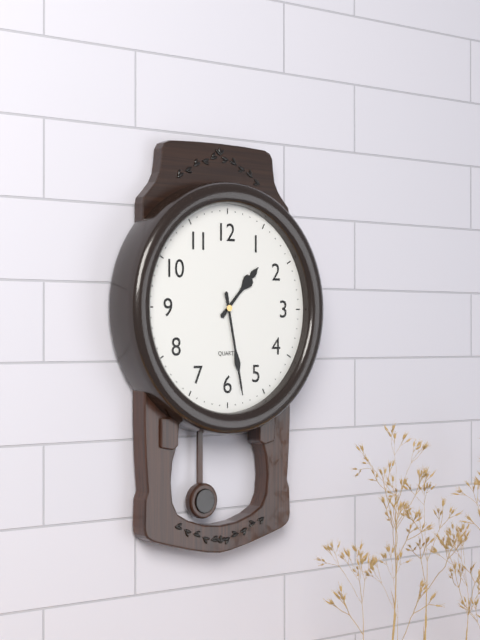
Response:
1,28
